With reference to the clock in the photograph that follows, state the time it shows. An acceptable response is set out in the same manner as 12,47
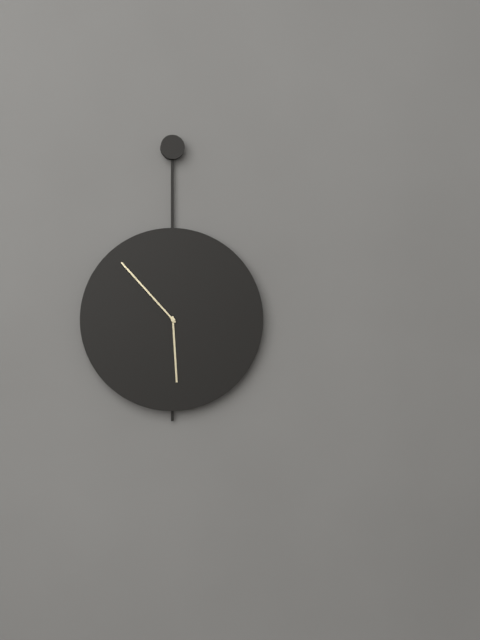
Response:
5,53
